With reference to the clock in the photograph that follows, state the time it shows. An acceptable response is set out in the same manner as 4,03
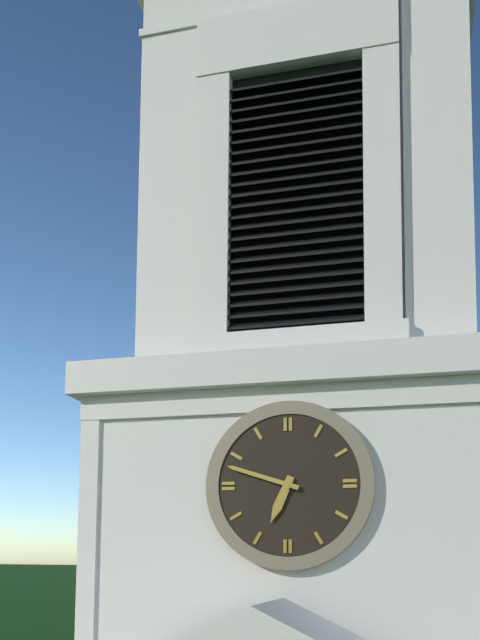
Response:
6,48
